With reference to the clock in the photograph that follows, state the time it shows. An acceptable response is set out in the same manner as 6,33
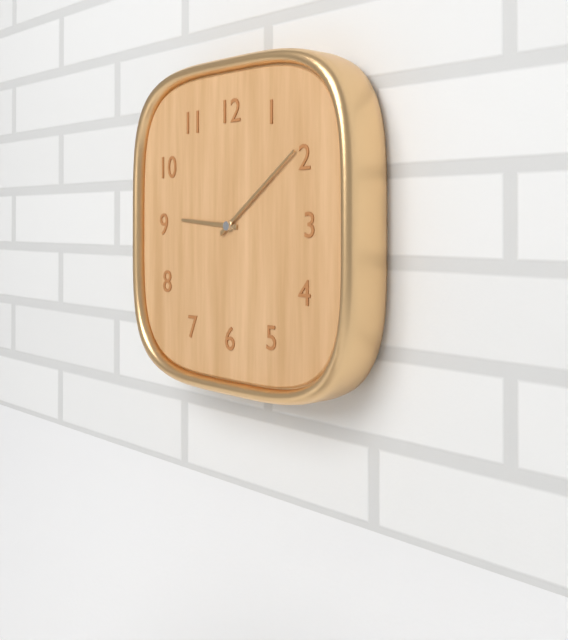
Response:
9,09
